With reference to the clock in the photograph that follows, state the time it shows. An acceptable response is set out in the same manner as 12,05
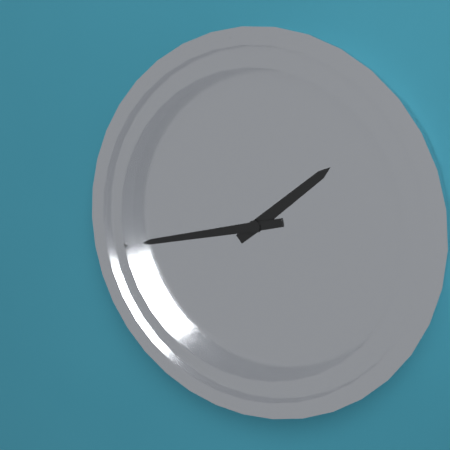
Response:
1,43
